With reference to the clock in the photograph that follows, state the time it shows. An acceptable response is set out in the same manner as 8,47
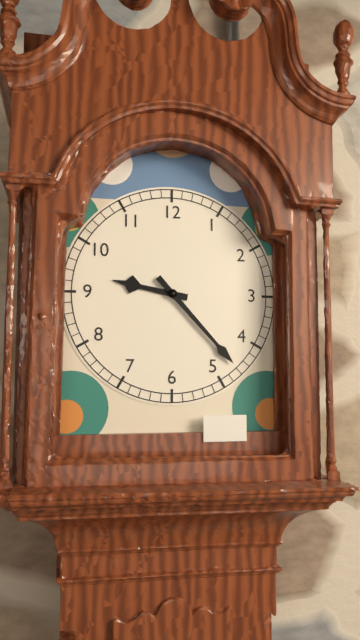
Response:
9,23
